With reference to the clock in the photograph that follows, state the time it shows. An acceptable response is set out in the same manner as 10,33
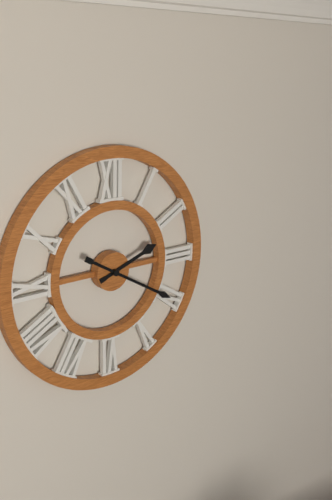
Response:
2,20
